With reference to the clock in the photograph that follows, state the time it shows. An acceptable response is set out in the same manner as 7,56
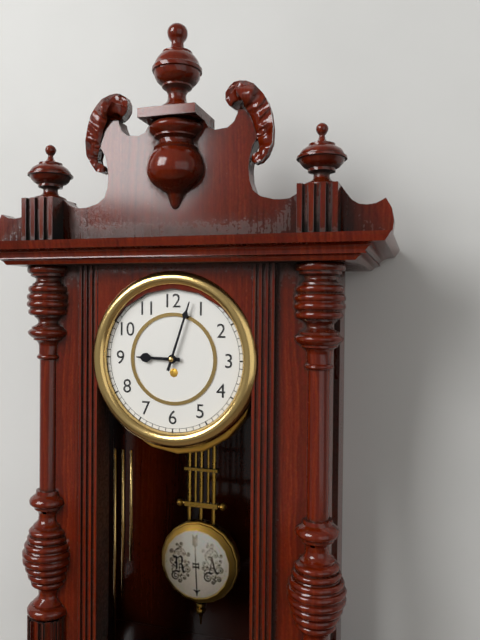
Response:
9,03
